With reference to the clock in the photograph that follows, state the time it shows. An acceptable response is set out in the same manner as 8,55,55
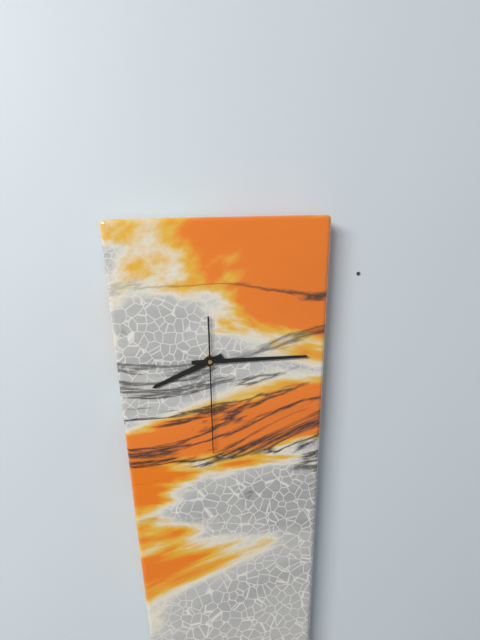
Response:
8,15,30
